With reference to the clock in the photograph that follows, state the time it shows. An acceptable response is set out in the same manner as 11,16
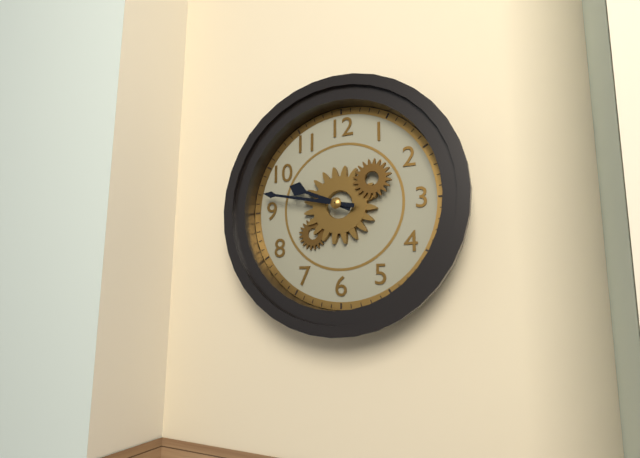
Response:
9,47
